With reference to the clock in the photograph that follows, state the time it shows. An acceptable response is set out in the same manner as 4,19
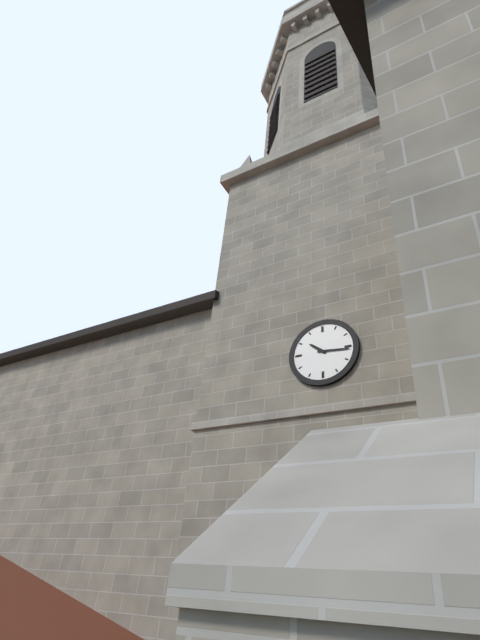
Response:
10,16
